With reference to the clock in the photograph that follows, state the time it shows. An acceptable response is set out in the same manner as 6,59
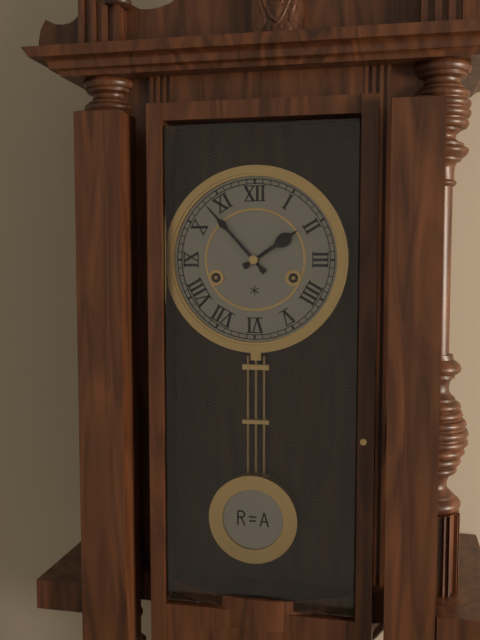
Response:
1,53
